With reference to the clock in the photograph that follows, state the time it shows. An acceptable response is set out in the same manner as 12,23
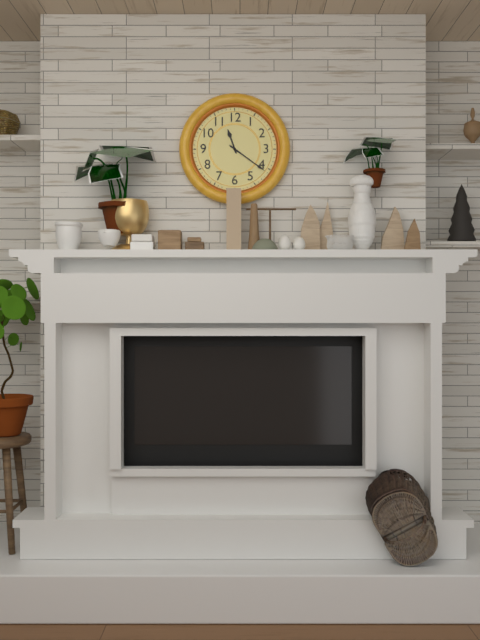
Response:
11,21
